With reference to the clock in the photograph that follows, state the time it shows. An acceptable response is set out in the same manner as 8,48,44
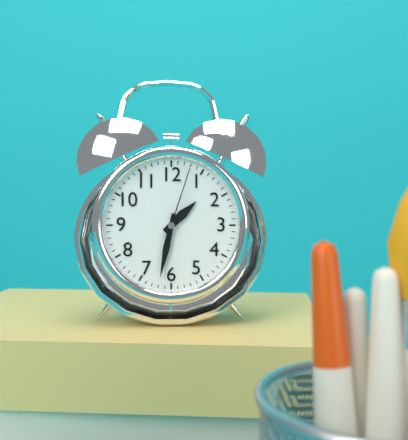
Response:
1,32,03
